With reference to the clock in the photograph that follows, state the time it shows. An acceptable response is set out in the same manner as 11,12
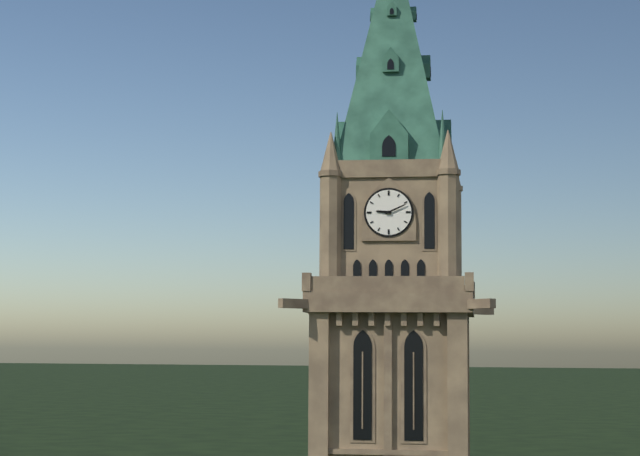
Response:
9,11
